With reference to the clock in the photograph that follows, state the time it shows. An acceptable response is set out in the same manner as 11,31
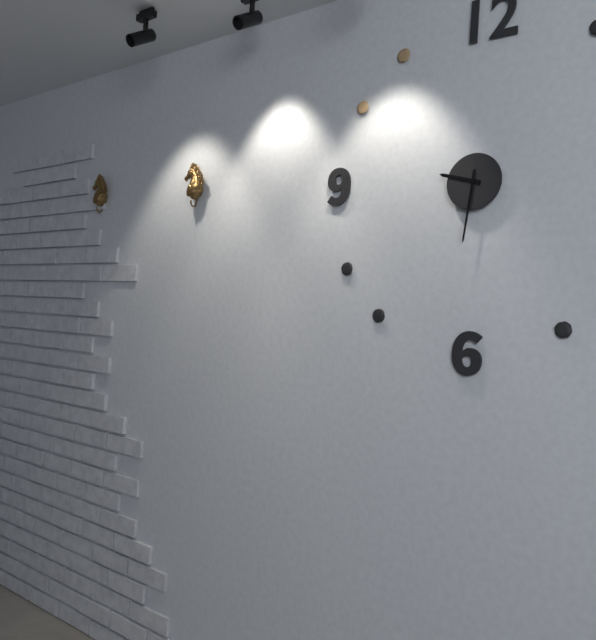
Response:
9,31
